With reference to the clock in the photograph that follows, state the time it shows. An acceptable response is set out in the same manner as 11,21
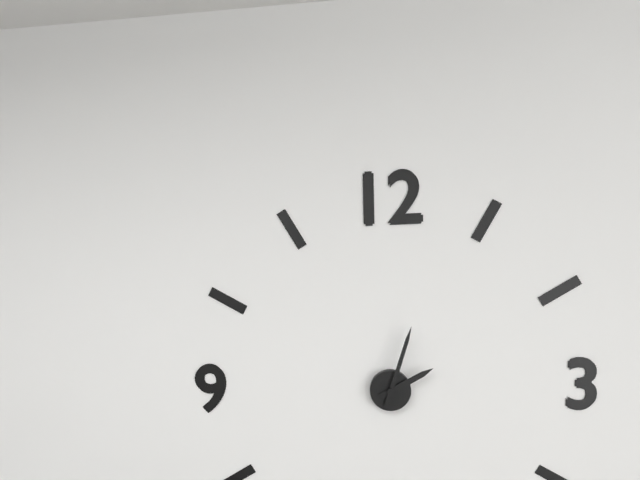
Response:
2,03
